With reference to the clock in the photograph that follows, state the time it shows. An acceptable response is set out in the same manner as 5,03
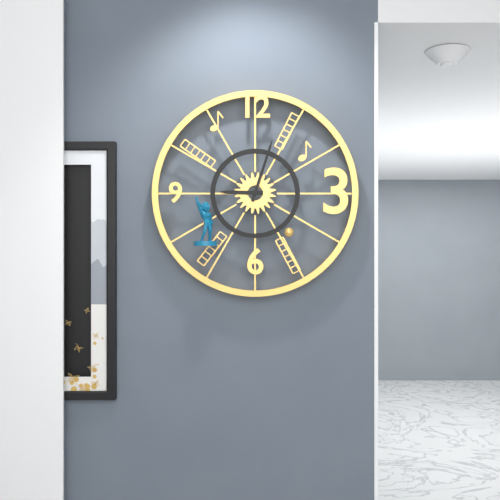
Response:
9,03
